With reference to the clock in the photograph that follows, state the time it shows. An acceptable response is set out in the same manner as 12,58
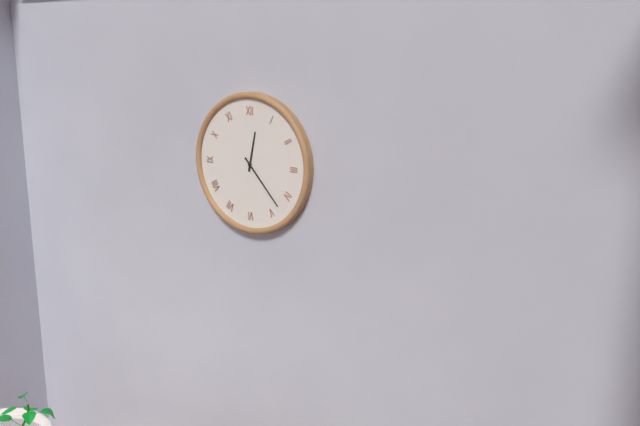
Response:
12,23
